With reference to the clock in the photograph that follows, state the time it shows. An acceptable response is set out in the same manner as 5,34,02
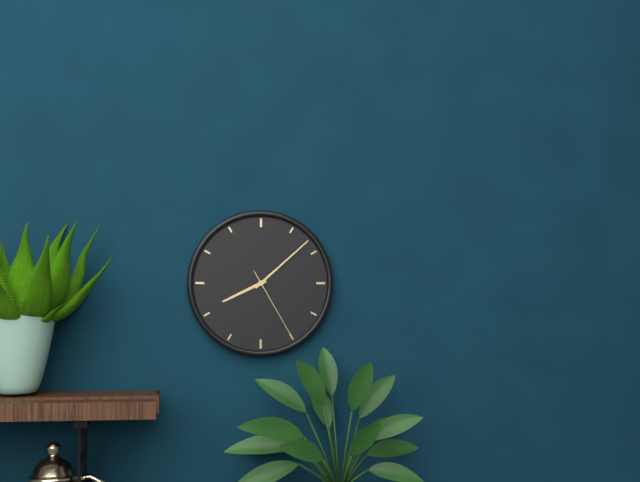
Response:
8,08,25
